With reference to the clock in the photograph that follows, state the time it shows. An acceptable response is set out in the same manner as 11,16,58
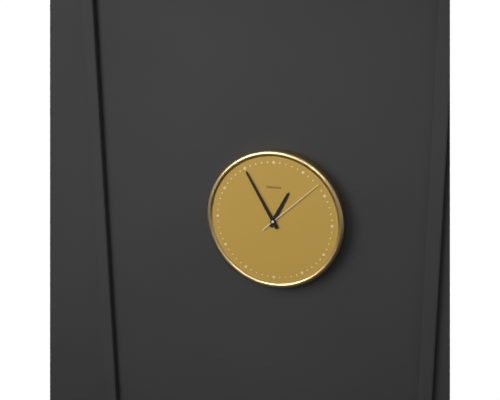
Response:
12,55,08
